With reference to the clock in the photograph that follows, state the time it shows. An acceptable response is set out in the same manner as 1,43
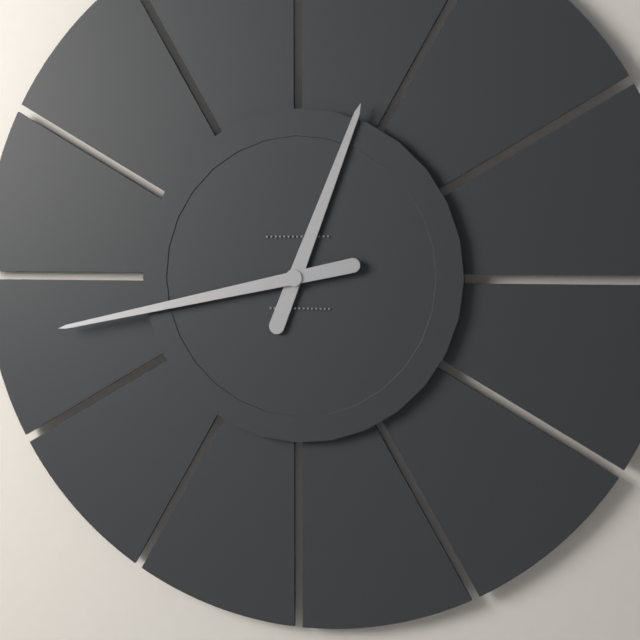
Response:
12,43
